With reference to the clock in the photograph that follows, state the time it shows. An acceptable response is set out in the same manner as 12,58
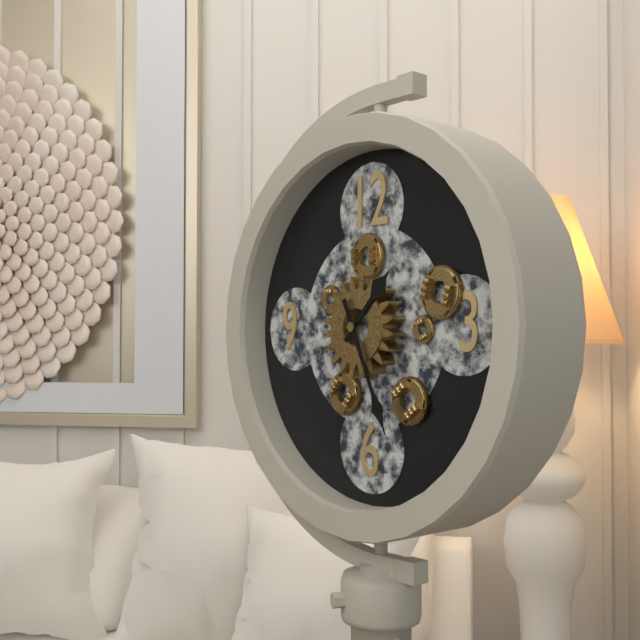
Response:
1,26
